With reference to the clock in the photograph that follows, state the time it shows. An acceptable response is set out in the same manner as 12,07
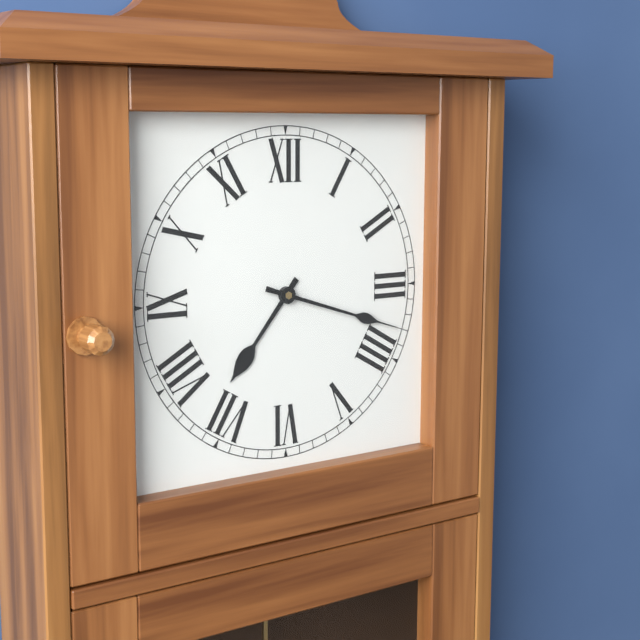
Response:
7,18
